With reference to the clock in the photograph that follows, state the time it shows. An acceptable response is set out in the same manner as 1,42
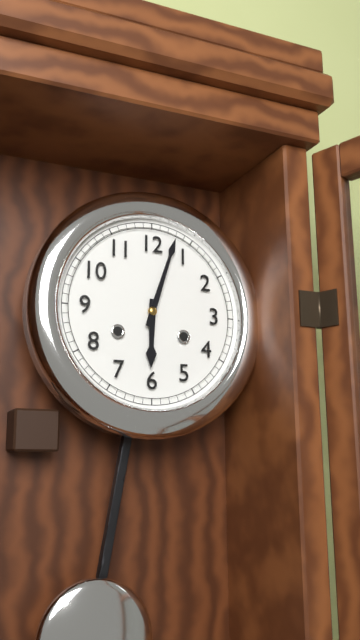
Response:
6,03
